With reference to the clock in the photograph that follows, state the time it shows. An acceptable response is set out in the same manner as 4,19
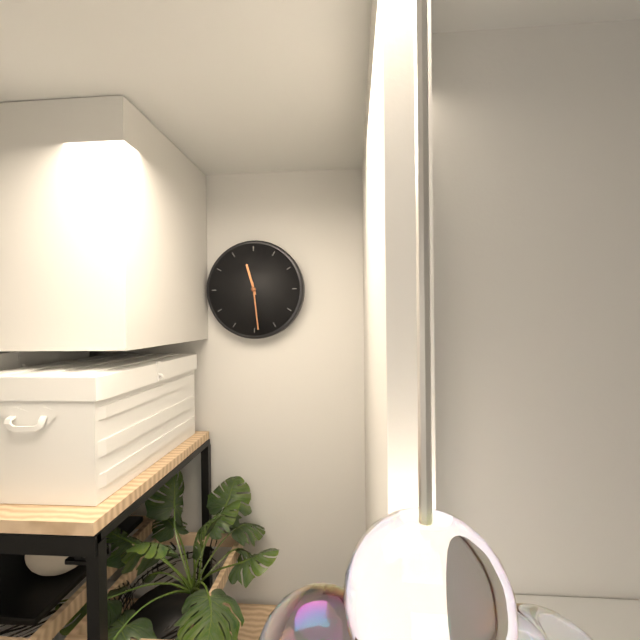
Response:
11,29
